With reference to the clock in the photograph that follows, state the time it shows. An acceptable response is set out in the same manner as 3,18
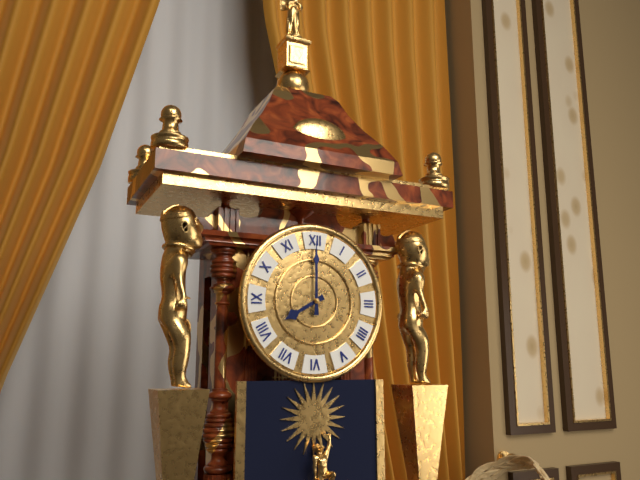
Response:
8,00
